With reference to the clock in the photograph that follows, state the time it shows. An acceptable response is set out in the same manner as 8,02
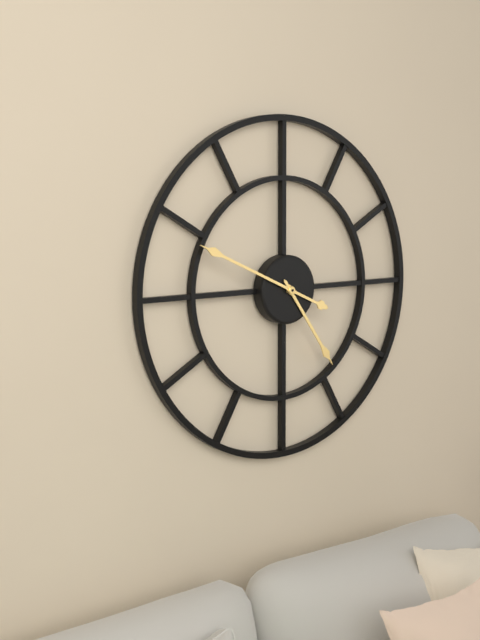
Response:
4,49
